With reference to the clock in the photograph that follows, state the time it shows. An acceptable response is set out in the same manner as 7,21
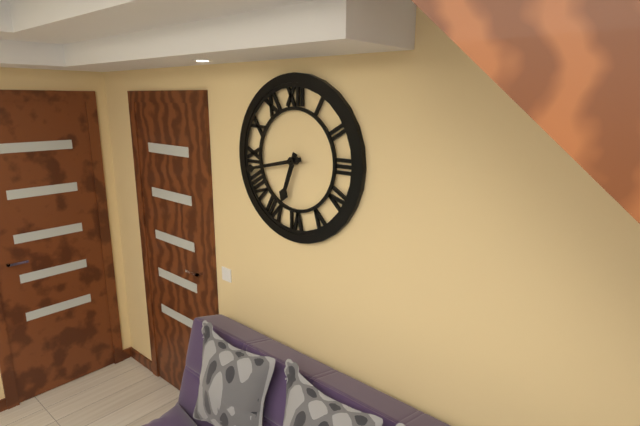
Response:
6,43
